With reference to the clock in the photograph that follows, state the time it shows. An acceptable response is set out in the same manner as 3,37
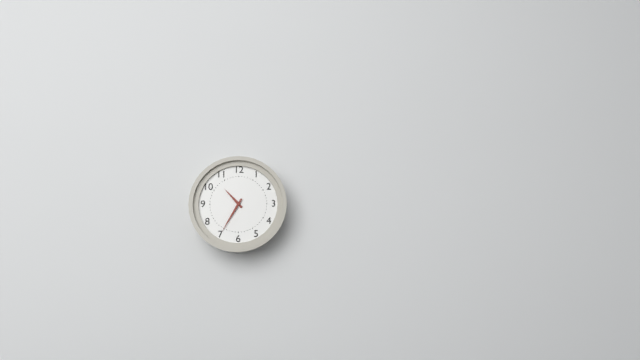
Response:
10,35
